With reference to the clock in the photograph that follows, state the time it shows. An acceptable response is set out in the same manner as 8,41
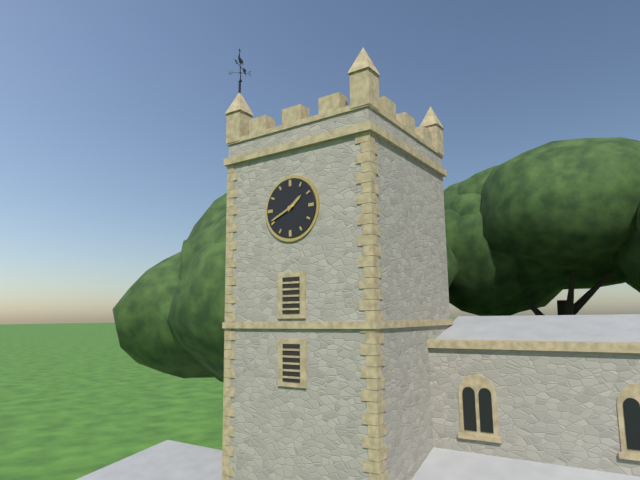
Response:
1,41
